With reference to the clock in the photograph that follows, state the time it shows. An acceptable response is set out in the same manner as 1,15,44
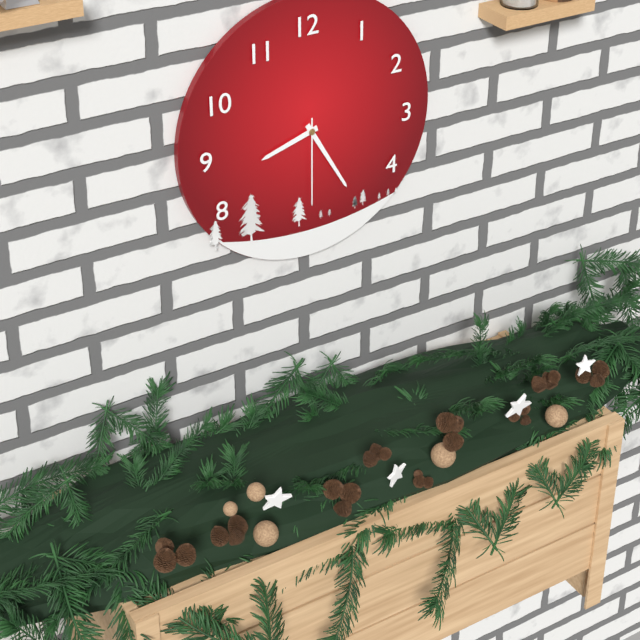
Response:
8,25,30
